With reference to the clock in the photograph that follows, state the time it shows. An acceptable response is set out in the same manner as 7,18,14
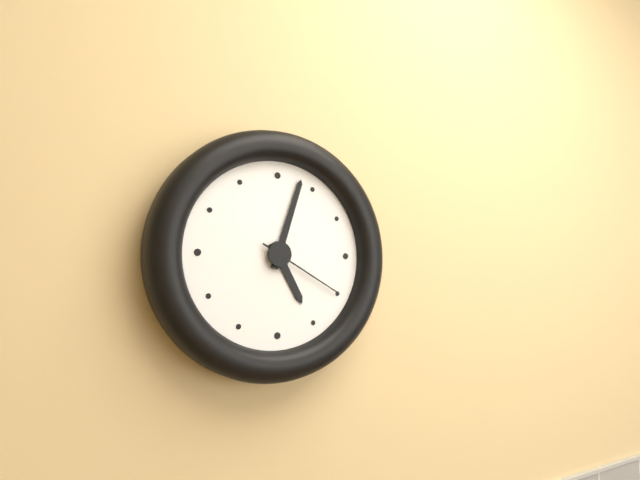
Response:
5,03,20
